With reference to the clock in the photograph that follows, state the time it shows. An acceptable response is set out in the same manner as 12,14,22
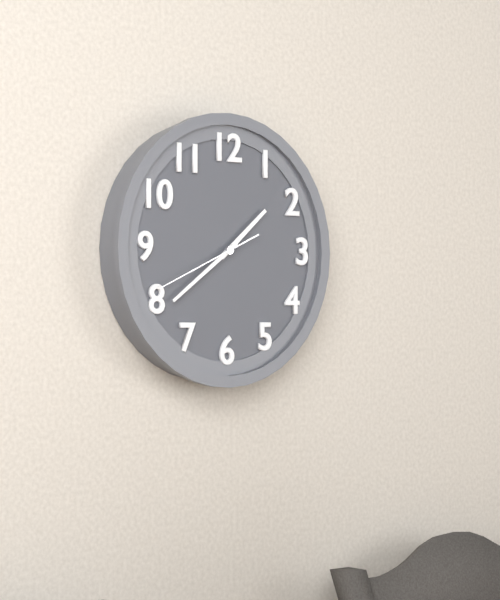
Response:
1,39,41
